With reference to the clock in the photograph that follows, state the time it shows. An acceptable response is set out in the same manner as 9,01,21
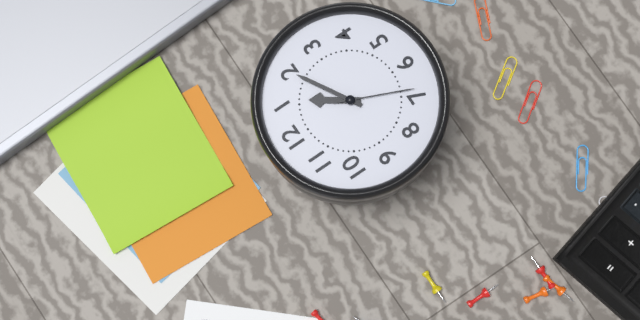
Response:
1,10,34
